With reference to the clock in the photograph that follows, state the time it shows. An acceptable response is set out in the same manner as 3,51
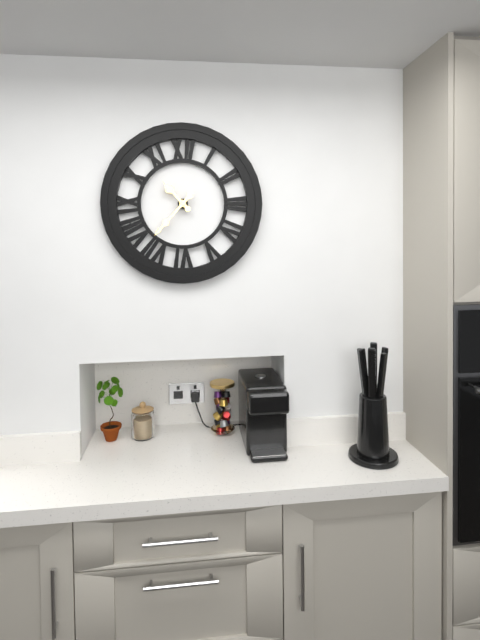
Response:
10,37
